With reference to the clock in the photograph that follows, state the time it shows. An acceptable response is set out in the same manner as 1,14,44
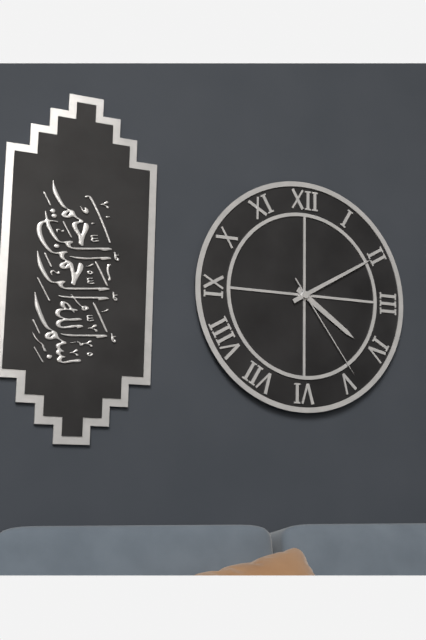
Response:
4,10,24
